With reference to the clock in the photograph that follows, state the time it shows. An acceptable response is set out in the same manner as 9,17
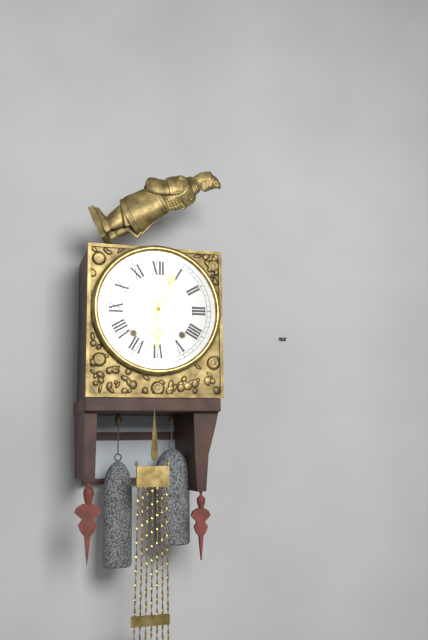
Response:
6,04
